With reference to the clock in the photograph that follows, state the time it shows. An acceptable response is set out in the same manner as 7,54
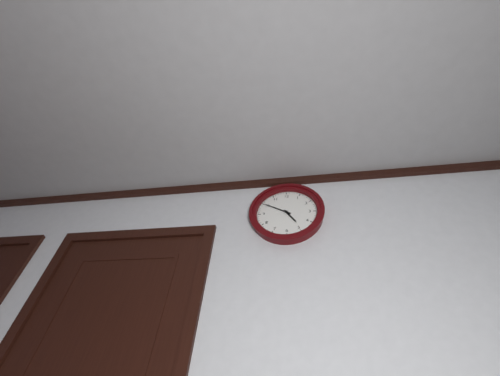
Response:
4,50
